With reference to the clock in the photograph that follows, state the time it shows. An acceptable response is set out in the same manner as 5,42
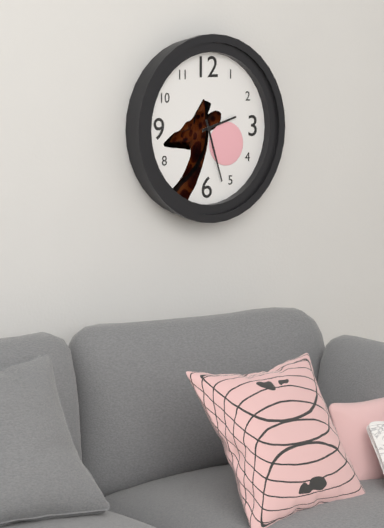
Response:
2,27
